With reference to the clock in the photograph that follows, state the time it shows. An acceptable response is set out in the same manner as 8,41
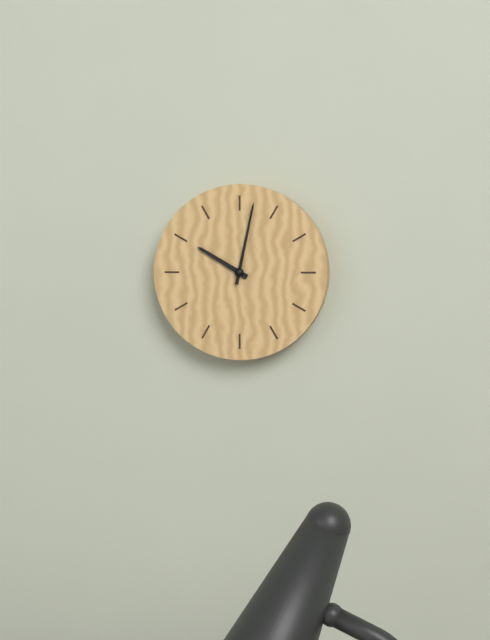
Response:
10,02
